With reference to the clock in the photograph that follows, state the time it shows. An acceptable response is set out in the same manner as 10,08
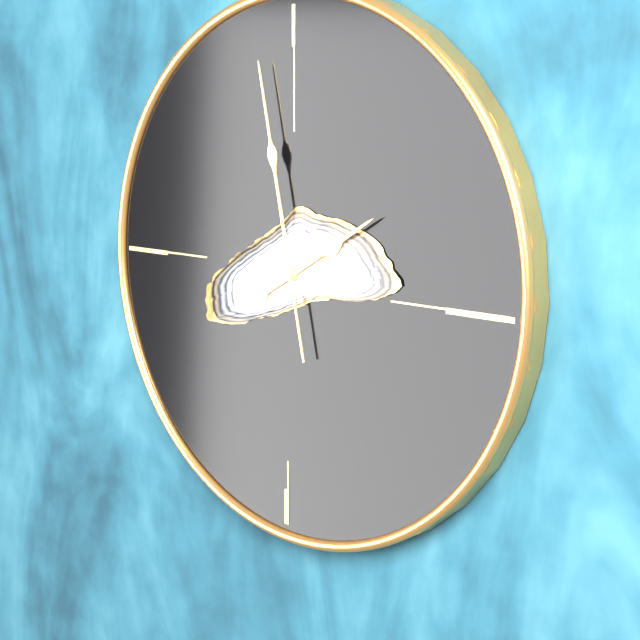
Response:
1,58
